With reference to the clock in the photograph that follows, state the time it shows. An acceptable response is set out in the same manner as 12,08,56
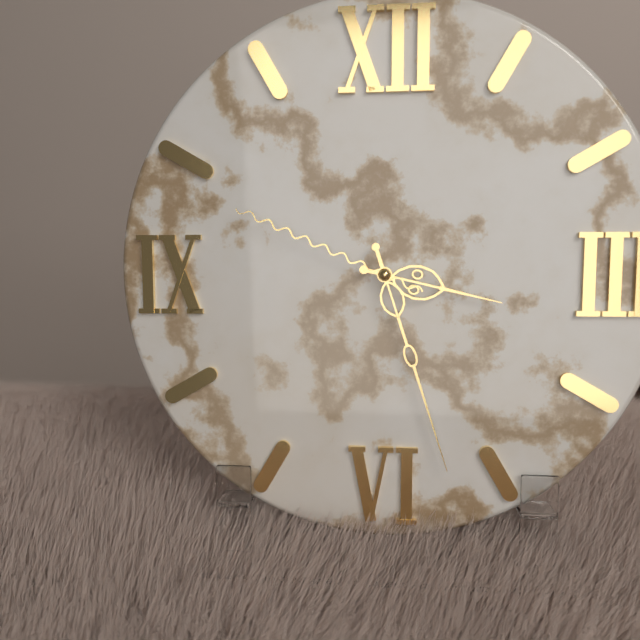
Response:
3,27,49
